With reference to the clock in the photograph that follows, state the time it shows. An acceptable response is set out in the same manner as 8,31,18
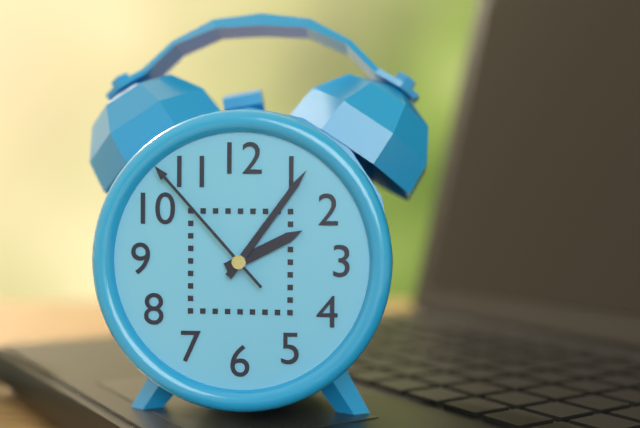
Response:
2,06,53
